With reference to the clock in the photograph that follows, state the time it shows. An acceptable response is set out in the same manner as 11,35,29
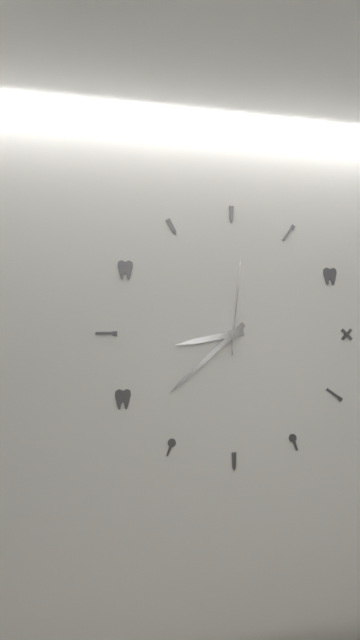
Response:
8,38,01
